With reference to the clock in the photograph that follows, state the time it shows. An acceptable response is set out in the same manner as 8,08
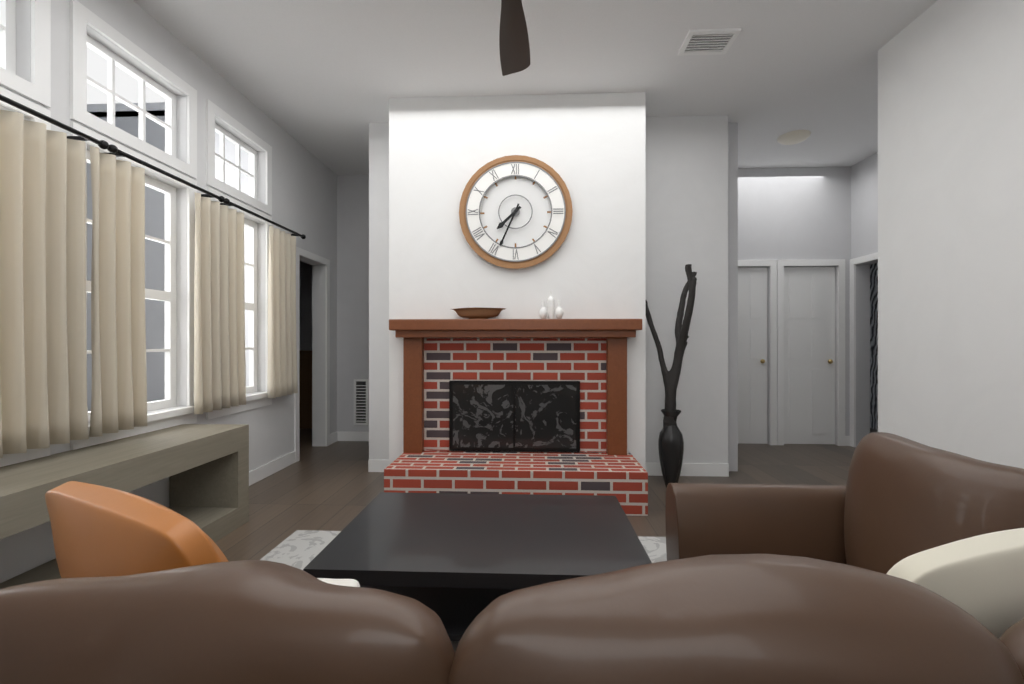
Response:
7,34
